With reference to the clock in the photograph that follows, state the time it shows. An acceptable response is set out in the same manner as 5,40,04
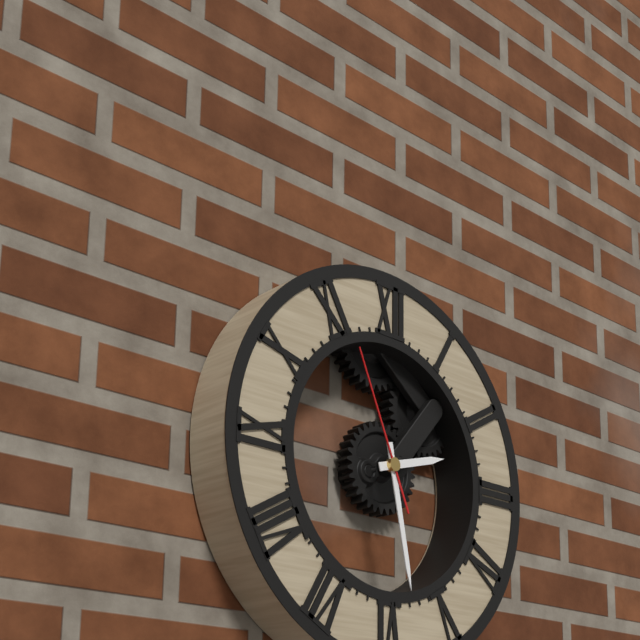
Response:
2,28,56
